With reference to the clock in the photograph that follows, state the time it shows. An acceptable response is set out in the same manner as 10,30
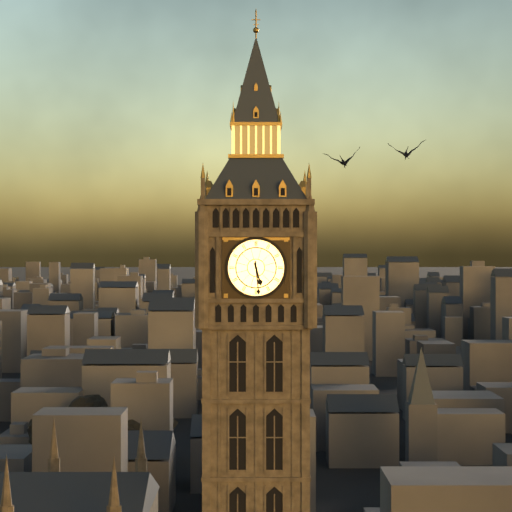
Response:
5,29
